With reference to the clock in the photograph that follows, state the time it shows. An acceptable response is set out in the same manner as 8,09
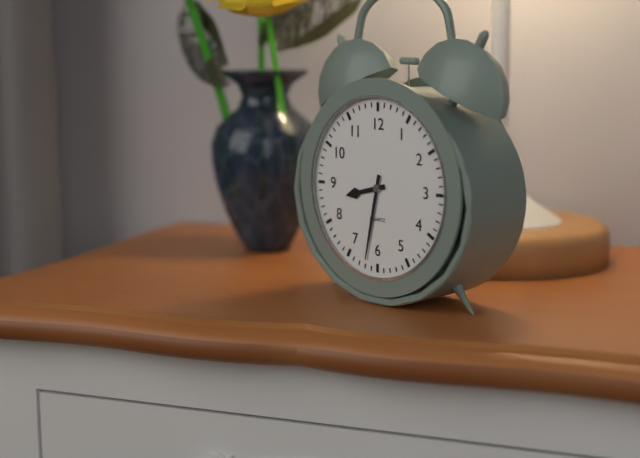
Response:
8,32
